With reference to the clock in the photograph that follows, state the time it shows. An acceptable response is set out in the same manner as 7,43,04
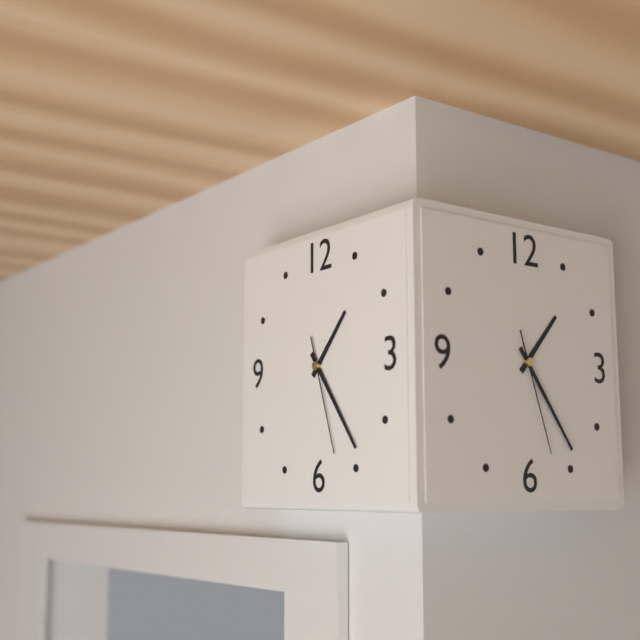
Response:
1,24,27
